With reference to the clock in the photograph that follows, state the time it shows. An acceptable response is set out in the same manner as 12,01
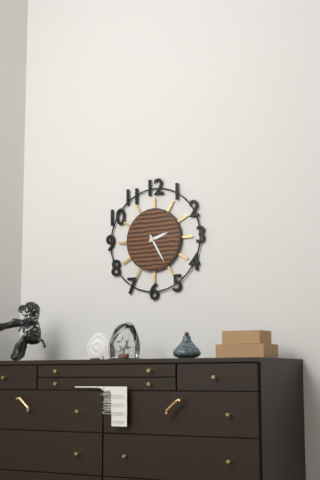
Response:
2,25
